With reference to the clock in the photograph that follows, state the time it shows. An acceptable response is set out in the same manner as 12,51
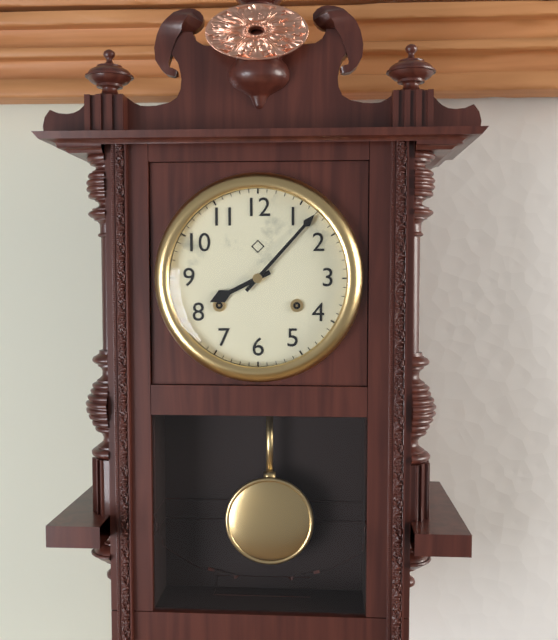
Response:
8,07
